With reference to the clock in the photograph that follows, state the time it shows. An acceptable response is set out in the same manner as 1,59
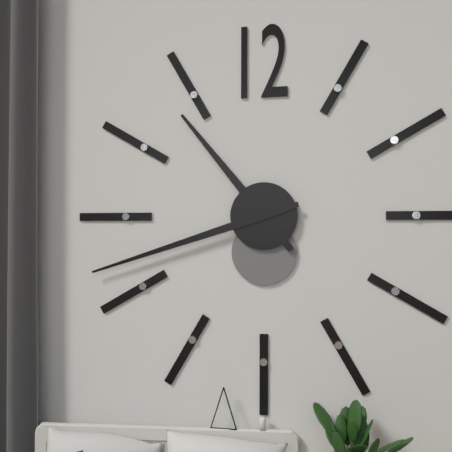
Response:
10,42
